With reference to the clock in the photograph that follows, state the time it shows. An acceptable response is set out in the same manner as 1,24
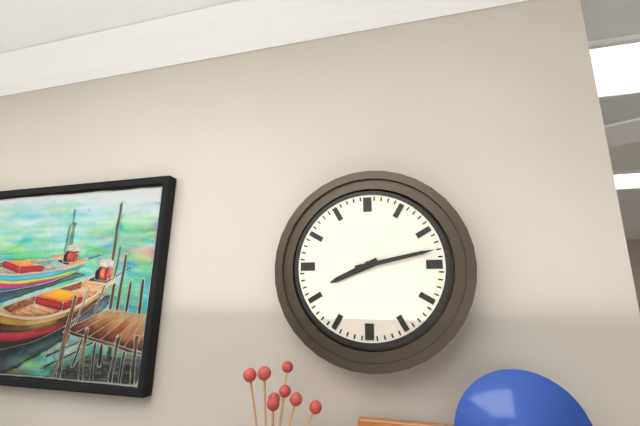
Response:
8,13
